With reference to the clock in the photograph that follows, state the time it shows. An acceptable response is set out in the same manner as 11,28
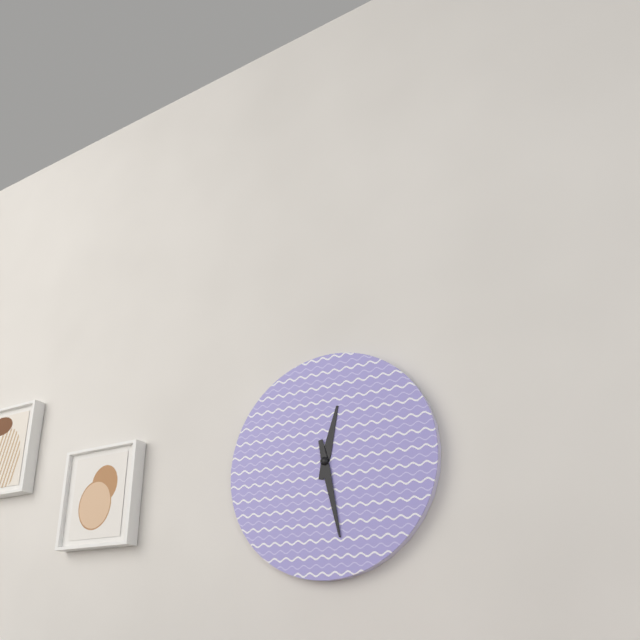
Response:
12,28
